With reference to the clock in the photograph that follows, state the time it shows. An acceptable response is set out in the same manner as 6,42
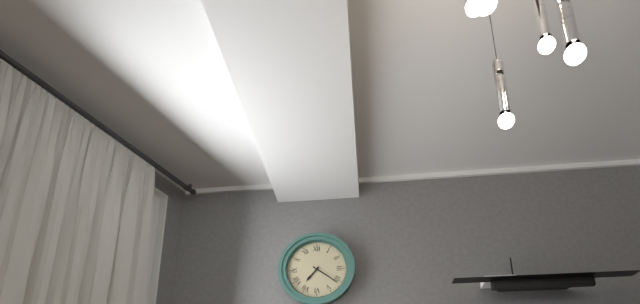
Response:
7,21
